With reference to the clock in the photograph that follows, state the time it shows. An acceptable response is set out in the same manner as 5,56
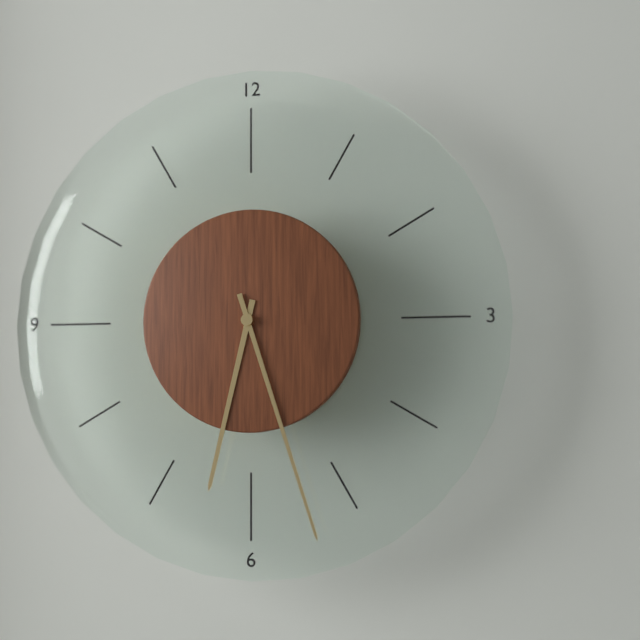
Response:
6,27
